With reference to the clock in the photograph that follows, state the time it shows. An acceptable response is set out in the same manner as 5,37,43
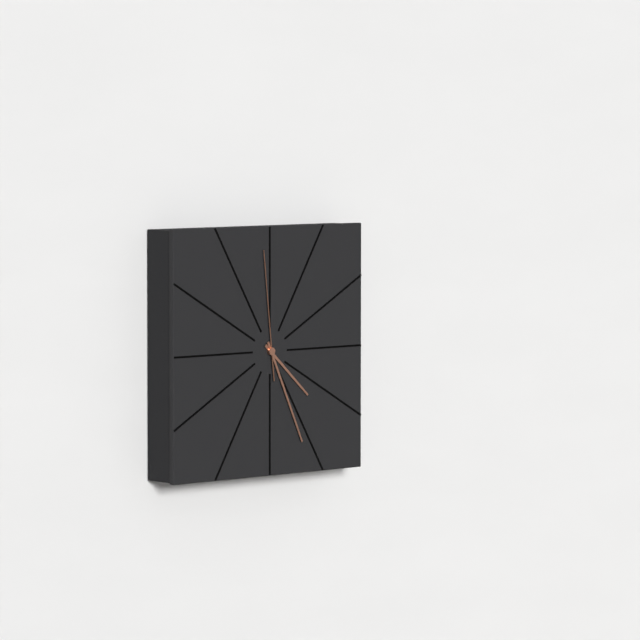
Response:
4,26,59
